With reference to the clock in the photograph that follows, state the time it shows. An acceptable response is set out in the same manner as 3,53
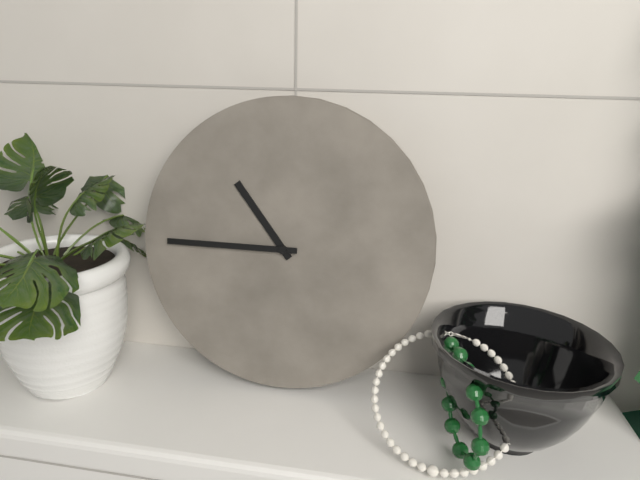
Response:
10,45
